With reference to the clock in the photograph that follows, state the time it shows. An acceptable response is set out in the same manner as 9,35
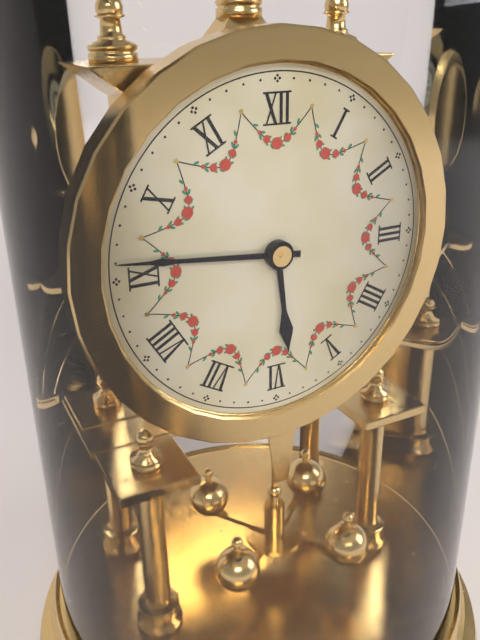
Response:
5,46
